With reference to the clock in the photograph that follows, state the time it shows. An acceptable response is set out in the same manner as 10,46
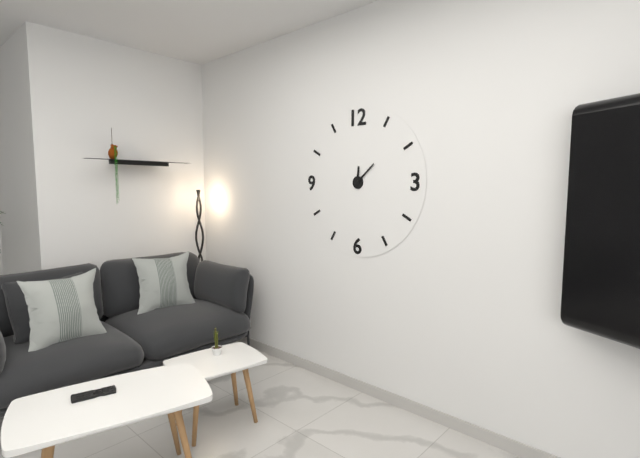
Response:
12,08
